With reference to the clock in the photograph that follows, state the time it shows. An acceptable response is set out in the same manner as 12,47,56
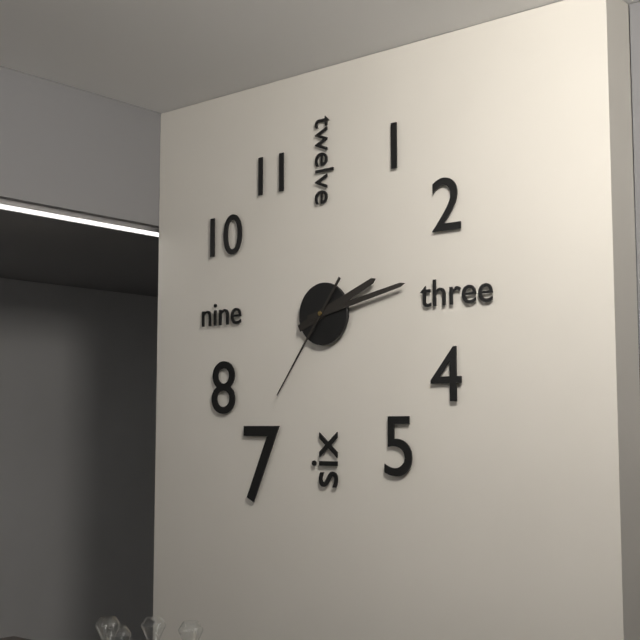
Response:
2,13,36
